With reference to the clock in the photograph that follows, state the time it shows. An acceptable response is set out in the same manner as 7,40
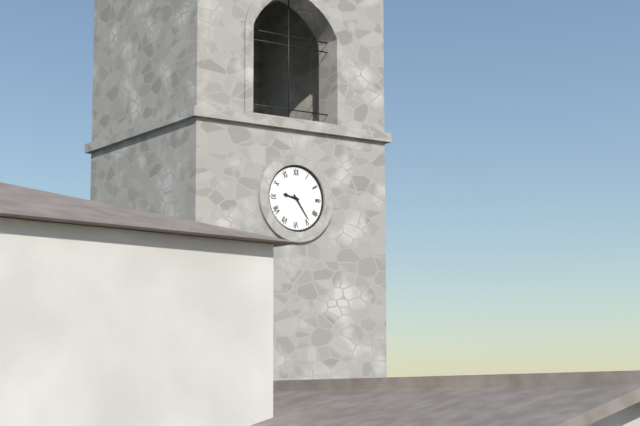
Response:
9,24
